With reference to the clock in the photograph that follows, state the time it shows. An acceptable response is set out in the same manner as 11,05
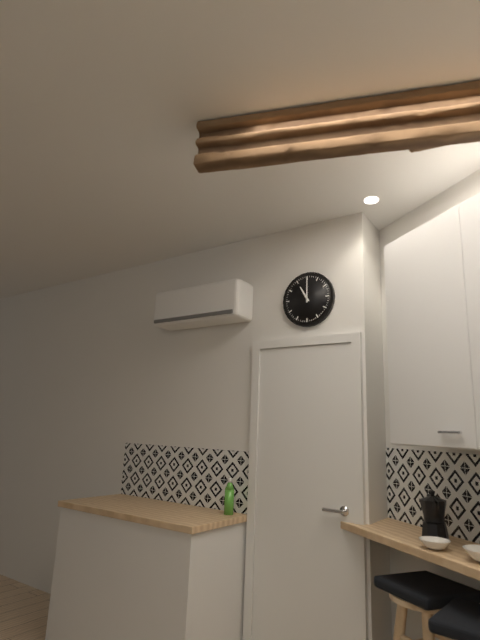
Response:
11,00
